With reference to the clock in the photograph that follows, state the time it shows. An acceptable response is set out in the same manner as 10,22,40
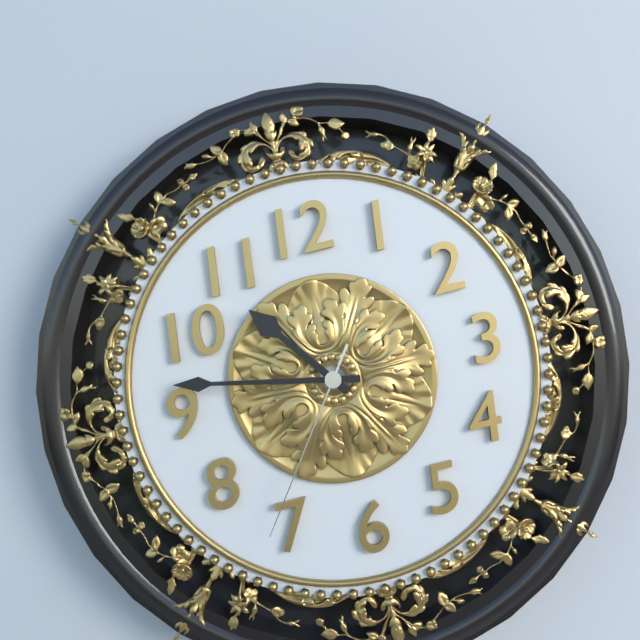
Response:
10,47,36
